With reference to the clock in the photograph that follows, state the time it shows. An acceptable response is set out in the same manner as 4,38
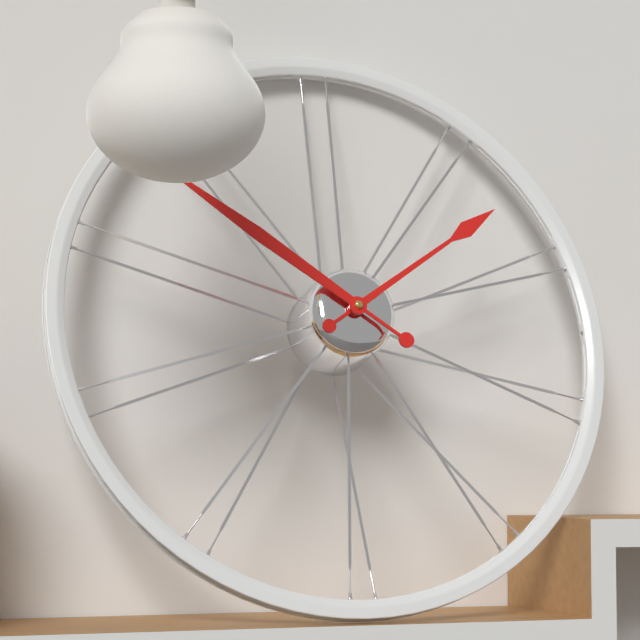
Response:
1,51
